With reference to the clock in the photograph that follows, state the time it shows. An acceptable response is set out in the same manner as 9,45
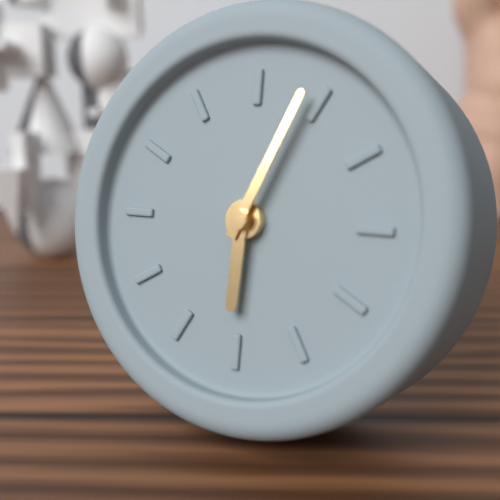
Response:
6,04
